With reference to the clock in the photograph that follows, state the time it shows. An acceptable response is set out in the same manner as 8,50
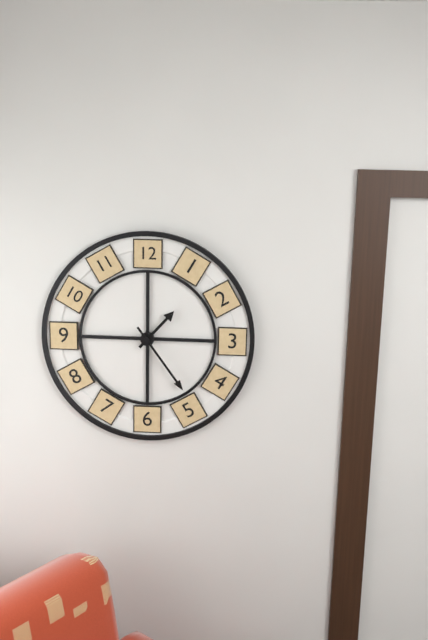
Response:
1,24
